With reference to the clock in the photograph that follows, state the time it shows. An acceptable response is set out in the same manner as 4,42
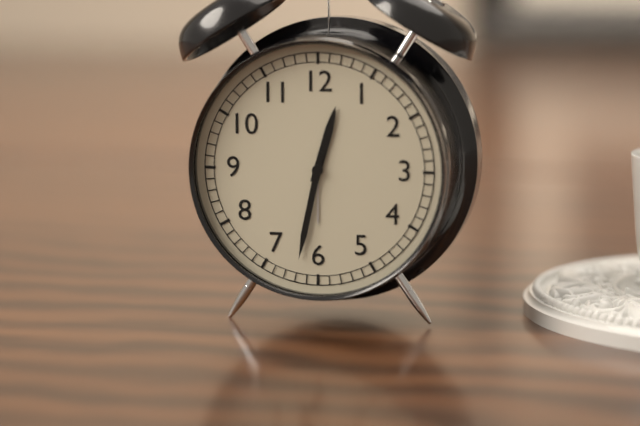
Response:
12,32
